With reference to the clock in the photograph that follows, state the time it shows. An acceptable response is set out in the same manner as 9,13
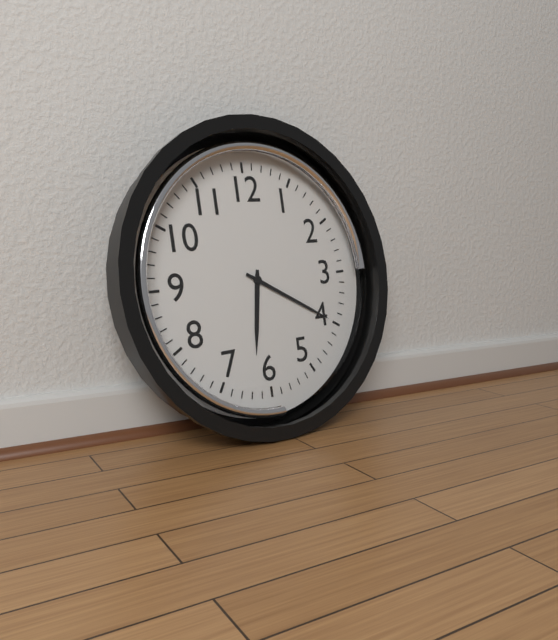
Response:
6,20
